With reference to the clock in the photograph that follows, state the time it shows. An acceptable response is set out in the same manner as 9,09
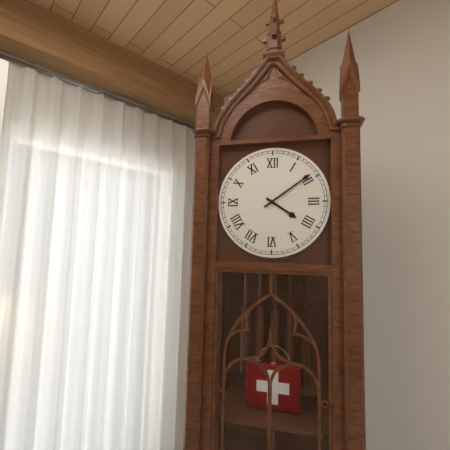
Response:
4,09
